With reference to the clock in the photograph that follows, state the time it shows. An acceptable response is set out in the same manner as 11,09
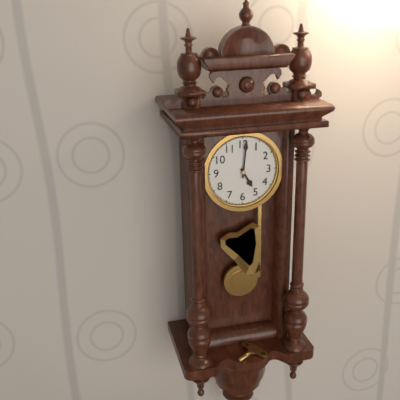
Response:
5,01
